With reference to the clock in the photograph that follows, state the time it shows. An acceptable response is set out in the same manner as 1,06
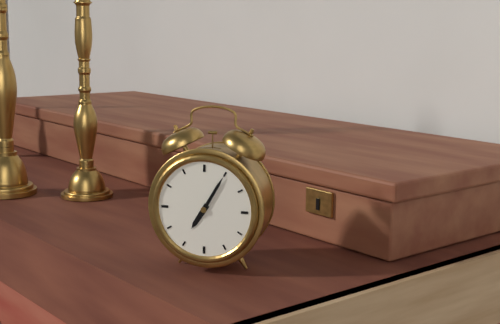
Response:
7,05
